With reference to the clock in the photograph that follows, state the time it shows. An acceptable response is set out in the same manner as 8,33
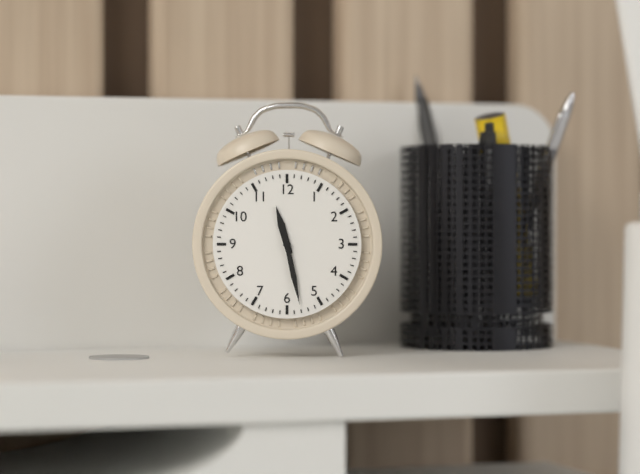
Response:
11,28
